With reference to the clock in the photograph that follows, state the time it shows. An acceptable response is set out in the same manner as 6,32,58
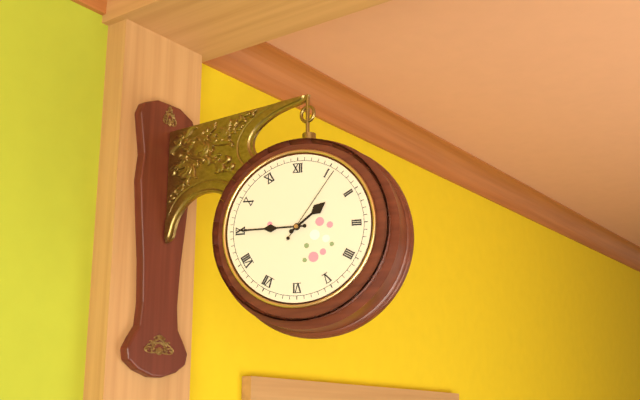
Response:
1,45,06
